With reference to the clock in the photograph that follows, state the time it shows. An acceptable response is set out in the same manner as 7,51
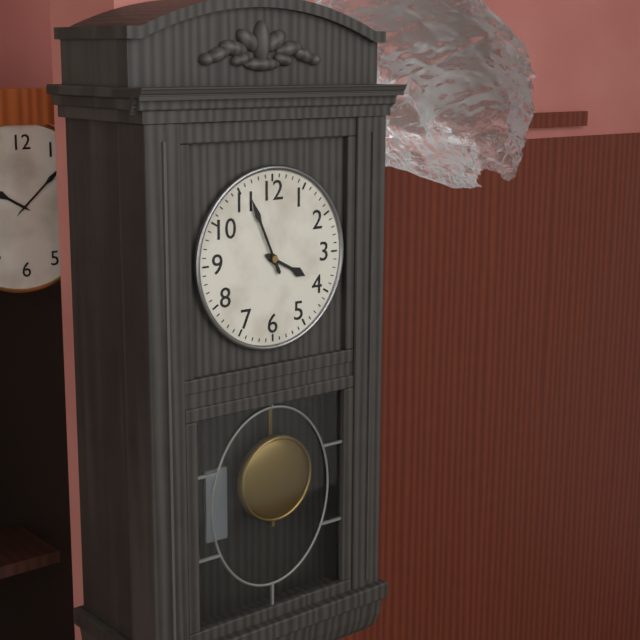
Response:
3,56
